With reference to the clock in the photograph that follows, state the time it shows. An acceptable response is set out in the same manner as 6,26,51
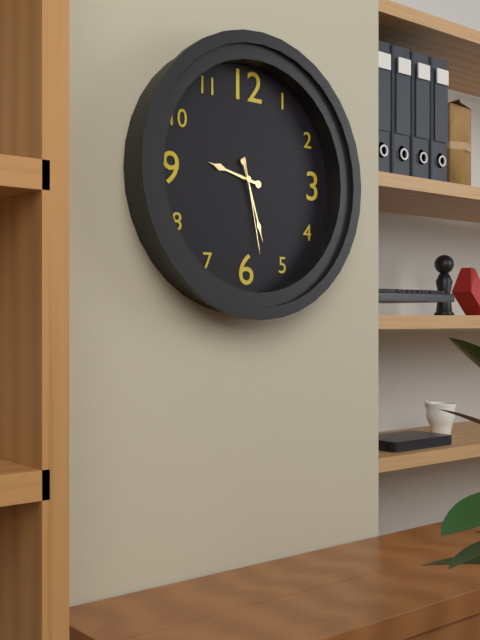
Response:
9,27,28
